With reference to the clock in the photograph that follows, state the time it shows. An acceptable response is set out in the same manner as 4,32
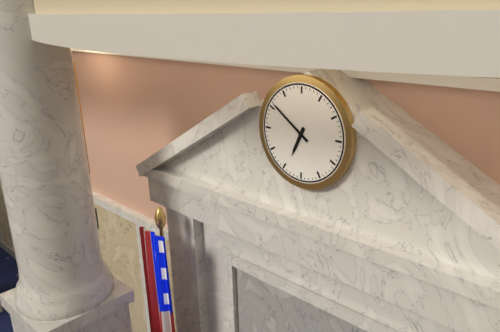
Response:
6,51
